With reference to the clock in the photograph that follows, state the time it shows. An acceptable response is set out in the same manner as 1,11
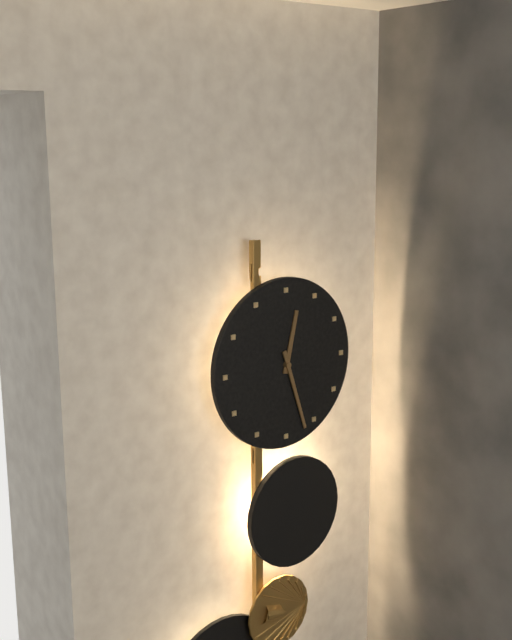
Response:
12,27
